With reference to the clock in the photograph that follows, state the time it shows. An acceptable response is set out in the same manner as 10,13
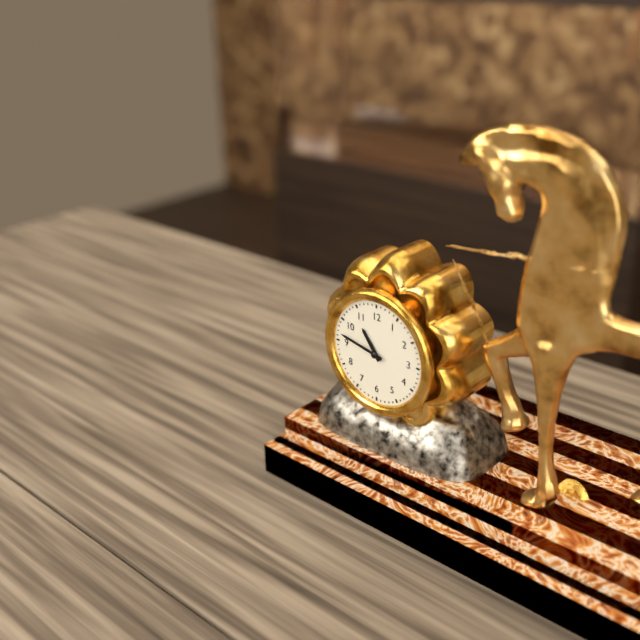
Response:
10,47
